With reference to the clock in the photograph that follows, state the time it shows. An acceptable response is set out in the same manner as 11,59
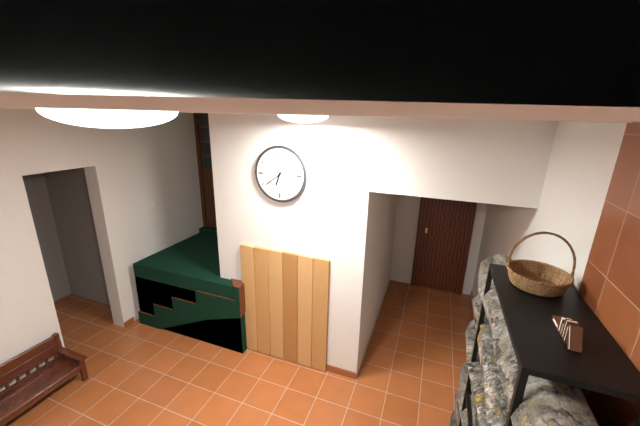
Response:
6,39
